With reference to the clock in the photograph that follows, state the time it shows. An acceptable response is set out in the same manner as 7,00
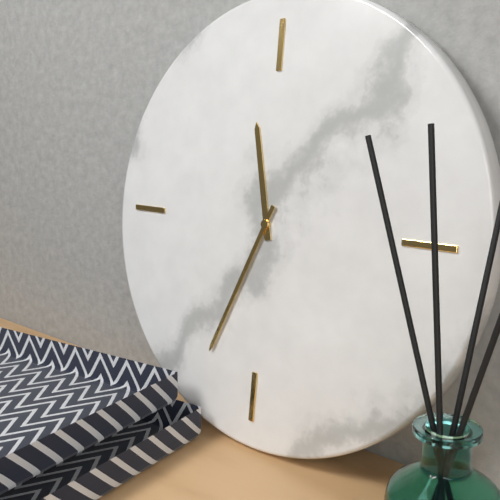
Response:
11,34
